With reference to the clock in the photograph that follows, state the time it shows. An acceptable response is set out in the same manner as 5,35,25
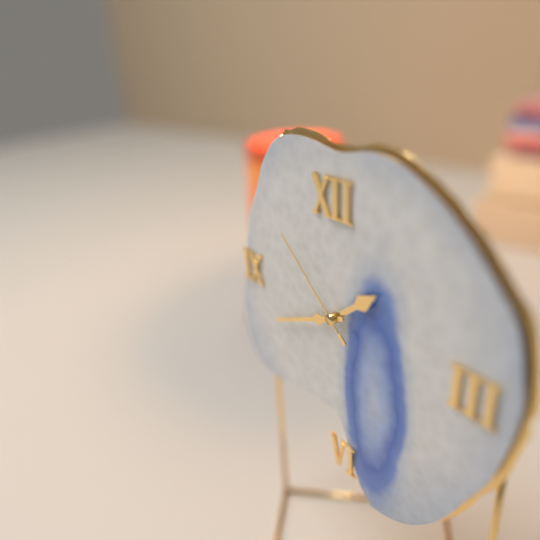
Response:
1,41,52
